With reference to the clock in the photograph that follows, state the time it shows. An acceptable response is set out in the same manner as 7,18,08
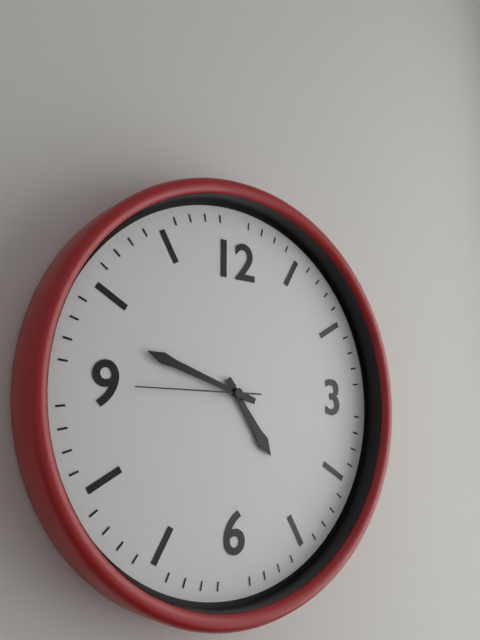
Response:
4,48,45
